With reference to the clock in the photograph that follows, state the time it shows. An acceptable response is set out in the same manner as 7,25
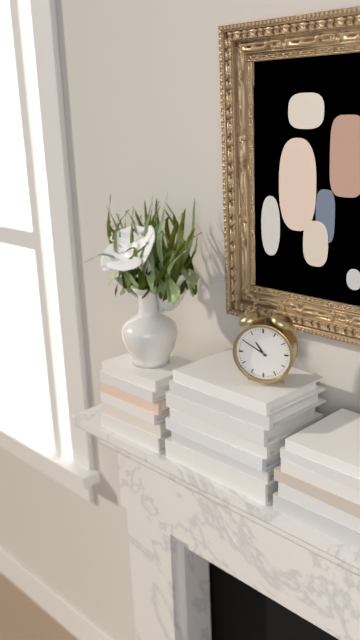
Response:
10,50
